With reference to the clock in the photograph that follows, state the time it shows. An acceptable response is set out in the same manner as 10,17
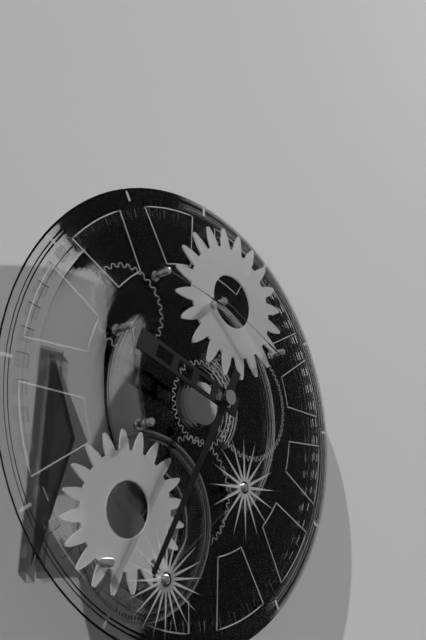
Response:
9,35
